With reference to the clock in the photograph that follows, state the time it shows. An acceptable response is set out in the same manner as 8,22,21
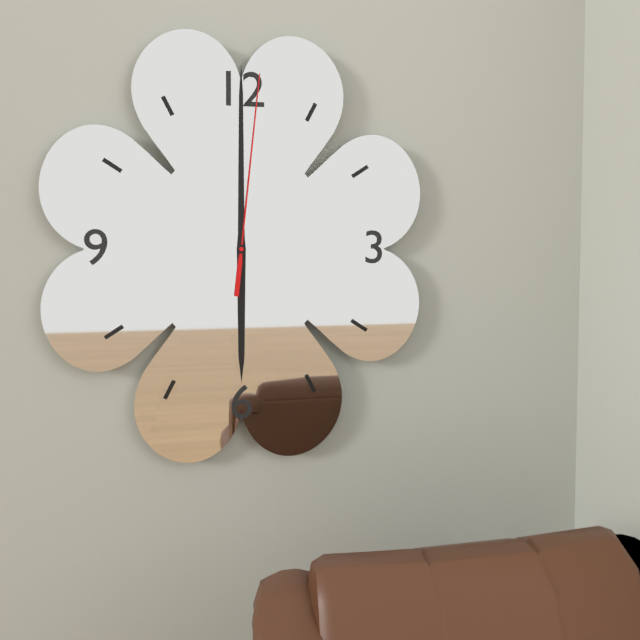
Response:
6,00,01
